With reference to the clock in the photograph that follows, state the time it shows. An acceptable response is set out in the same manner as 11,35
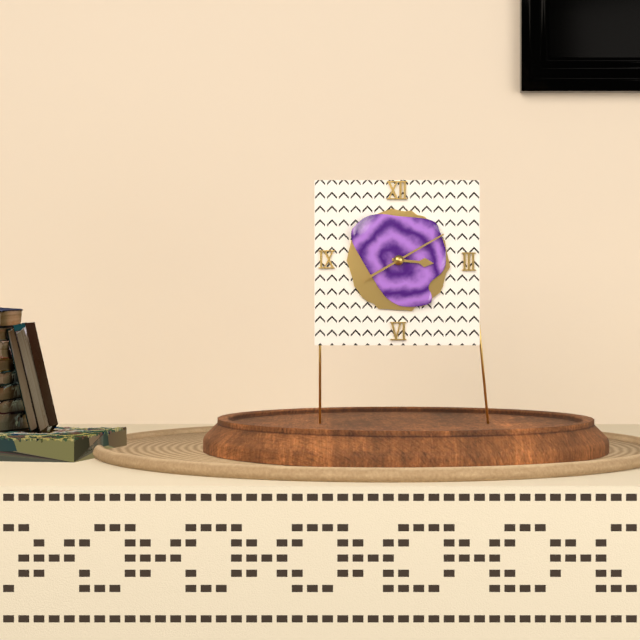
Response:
3,10
